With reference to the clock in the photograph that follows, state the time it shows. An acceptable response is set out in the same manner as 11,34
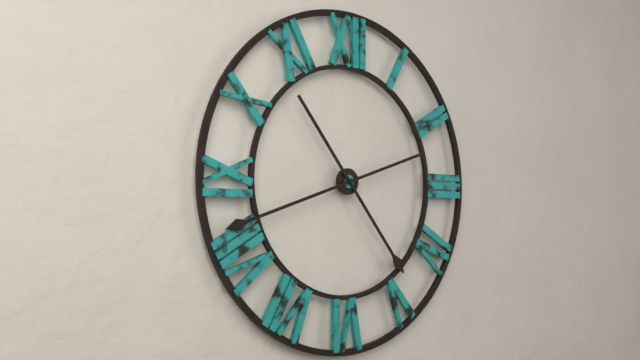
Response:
4,42
